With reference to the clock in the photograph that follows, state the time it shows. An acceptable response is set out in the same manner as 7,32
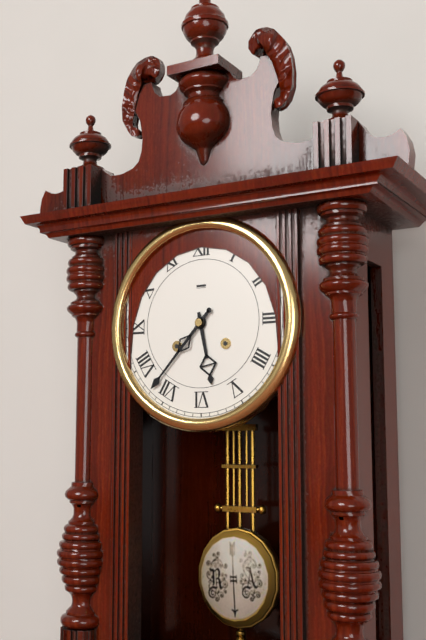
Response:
5,37
